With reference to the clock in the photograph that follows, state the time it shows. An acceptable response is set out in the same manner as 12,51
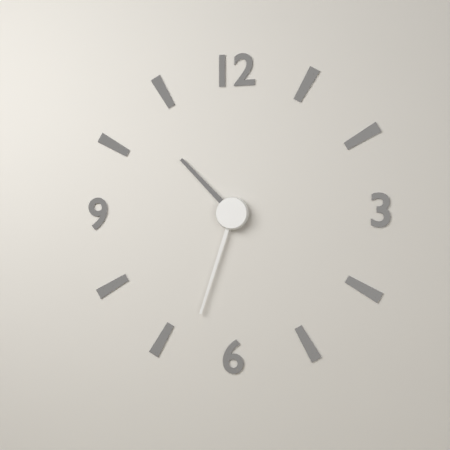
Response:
10,33
